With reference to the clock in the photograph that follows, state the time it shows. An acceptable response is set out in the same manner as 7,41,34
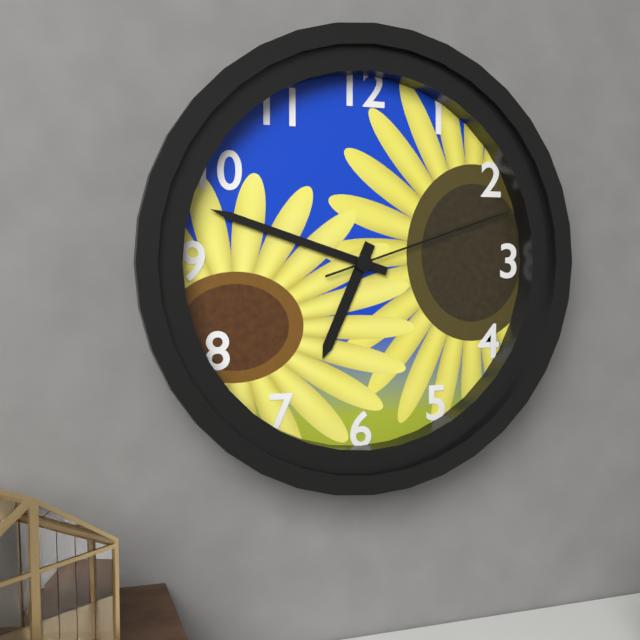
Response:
6,48,12
